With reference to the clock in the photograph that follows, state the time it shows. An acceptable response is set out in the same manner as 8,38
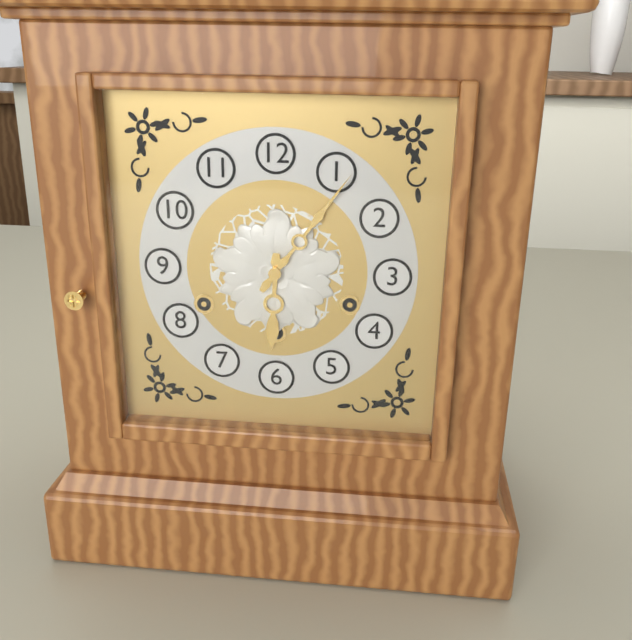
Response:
6,06
